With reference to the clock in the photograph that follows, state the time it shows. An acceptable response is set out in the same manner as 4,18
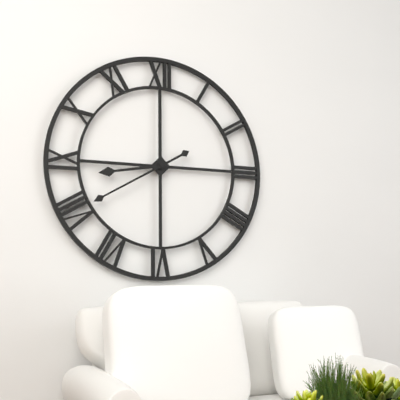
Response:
8,40
